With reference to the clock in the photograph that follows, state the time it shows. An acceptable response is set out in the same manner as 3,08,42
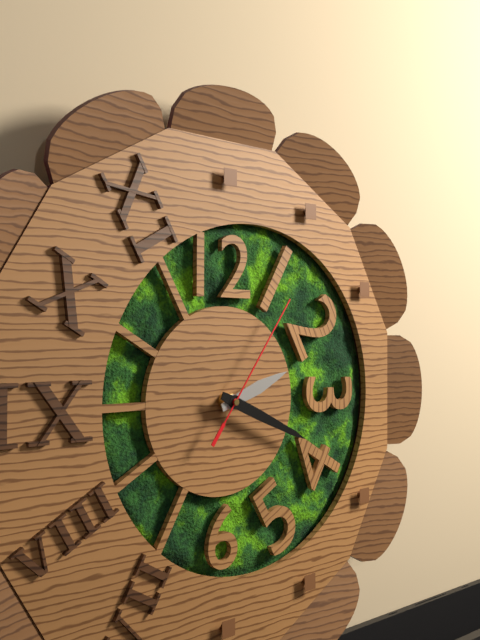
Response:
2,19,06
